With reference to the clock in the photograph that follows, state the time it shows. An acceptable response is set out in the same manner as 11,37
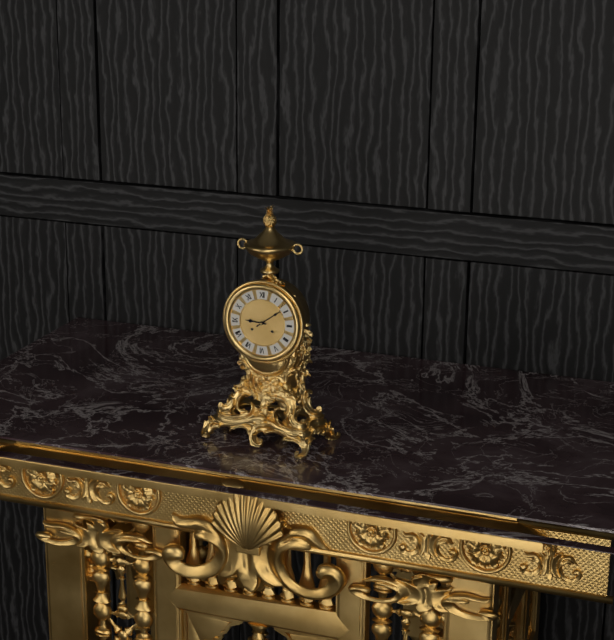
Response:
9,09
